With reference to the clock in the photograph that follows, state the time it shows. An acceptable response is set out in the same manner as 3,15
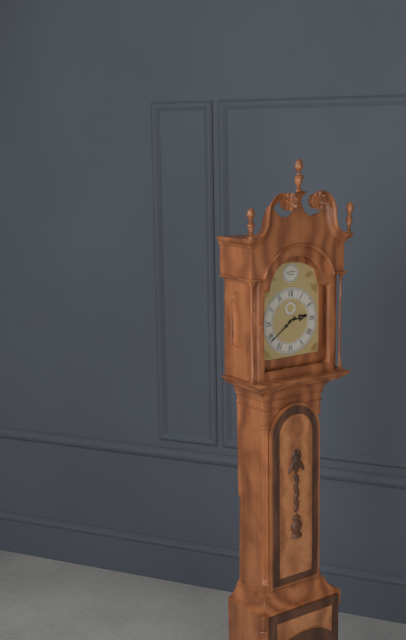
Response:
2,39
